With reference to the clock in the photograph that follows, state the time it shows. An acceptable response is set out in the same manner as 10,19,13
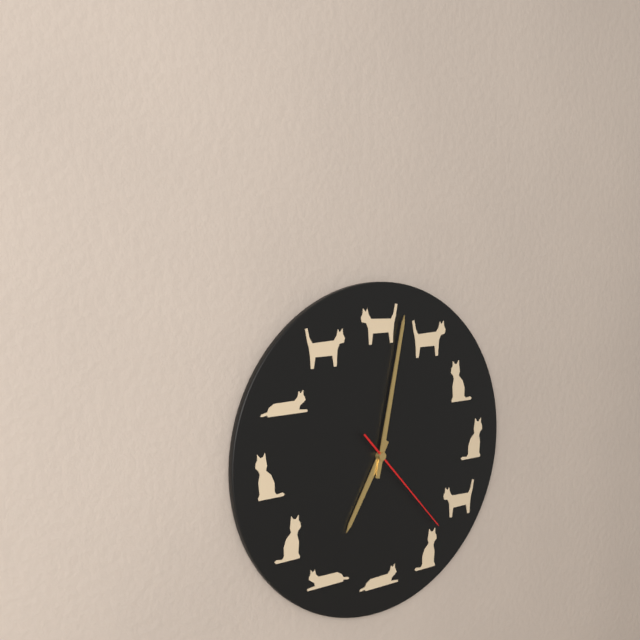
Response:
7,02,23
